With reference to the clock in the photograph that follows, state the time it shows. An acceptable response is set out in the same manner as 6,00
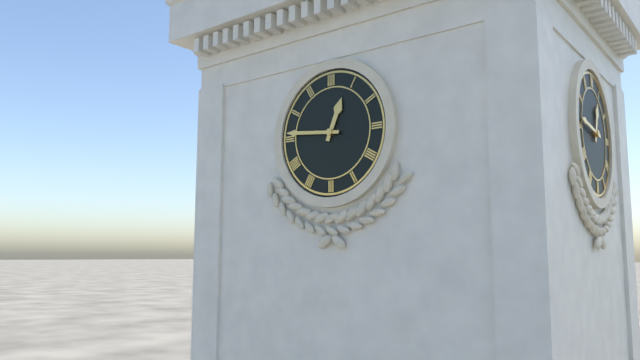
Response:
12,46
